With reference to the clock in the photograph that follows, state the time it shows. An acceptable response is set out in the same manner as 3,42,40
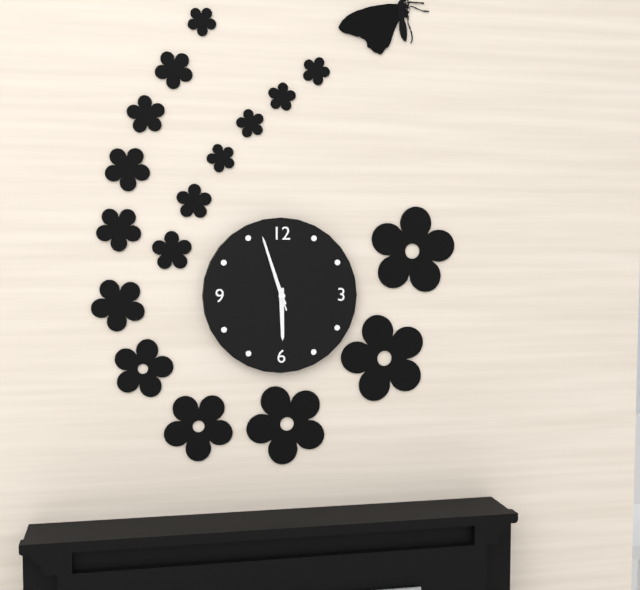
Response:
5,57,57
